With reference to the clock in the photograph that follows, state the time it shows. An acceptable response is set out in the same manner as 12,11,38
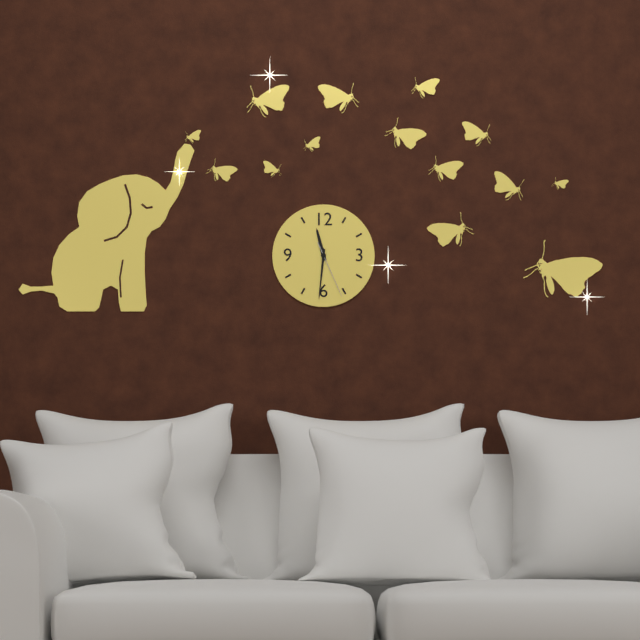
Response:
11,31,26
